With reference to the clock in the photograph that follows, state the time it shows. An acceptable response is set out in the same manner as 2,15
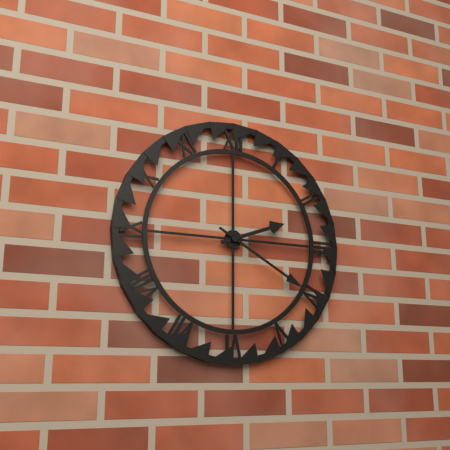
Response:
2,20
